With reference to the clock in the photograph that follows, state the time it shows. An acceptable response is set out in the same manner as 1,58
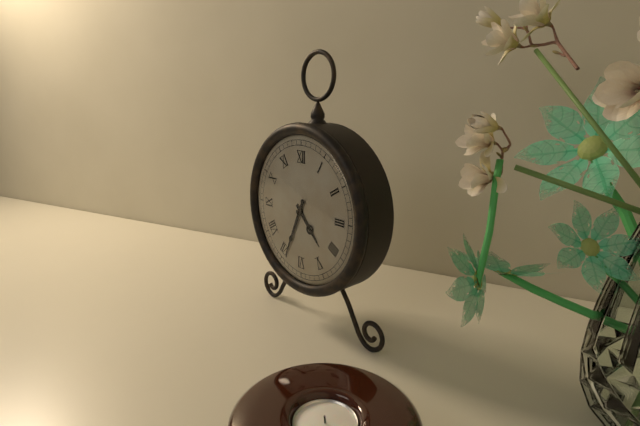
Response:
4,34
